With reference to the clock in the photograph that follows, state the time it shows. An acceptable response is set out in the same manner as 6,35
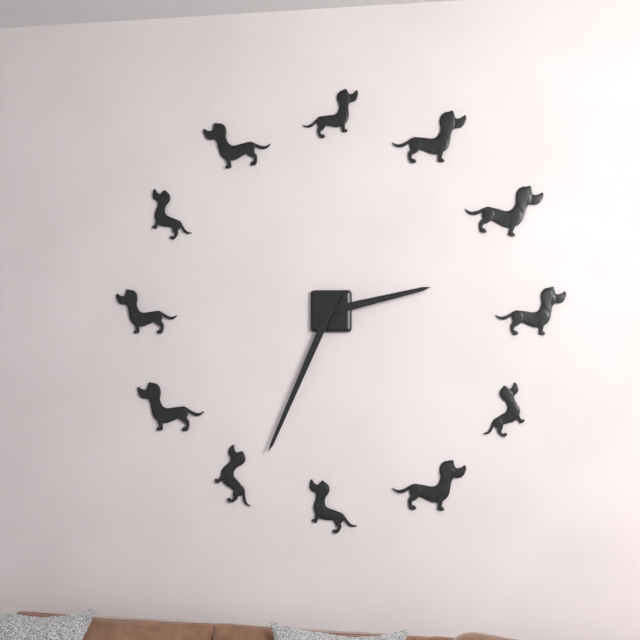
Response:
2,34
